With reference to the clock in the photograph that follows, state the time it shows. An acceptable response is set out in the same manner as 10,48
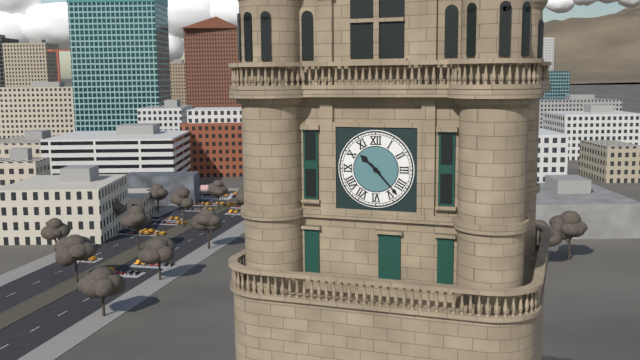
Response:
10,23
